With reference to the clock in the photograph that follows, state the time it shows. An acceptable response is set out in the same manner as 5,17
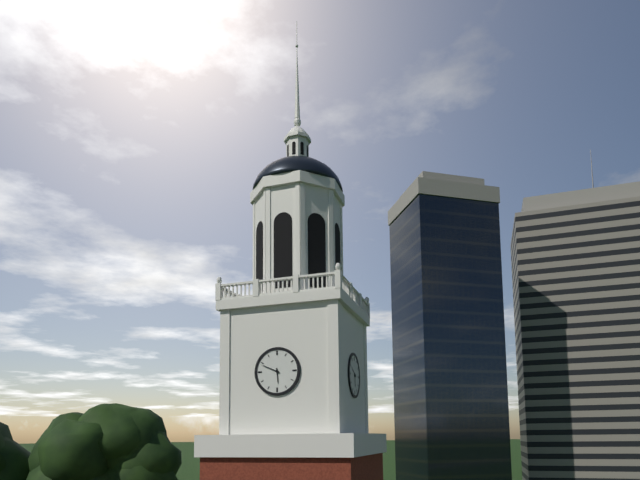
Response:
5,49
